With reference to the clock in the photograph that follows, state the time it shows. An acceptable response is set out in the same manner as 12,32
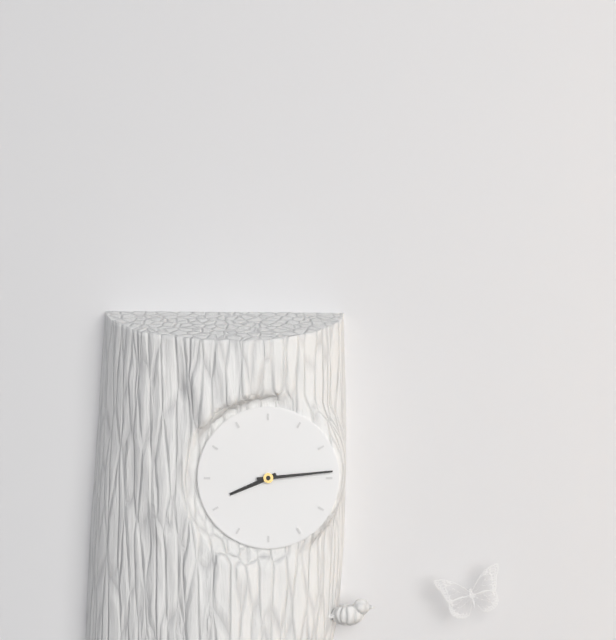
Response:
8,14
